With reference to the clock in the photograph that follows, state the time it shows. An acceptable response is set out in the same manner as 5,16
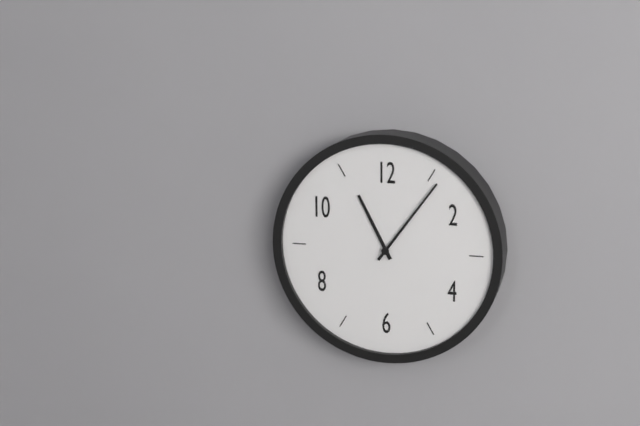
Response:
11,06
